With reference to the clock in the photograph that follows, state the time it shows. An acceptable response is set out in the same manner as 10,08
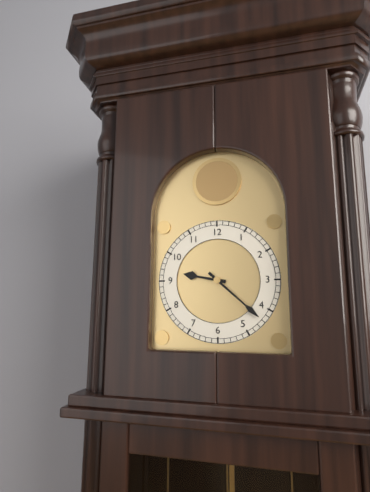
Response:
9,22
